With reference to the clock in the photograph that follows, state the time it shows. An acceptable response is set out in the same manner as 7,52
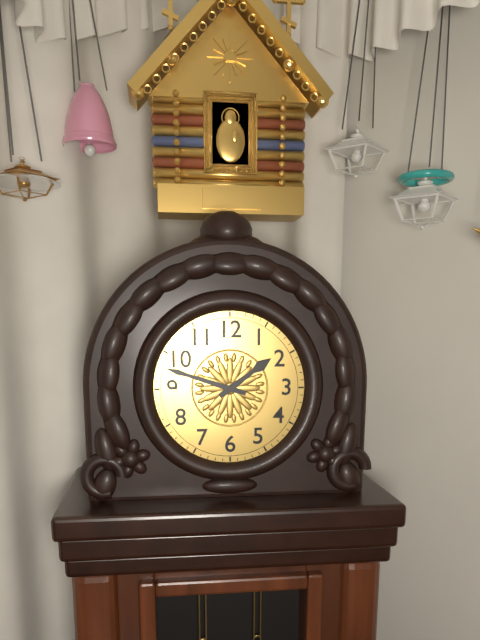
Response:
1,48
